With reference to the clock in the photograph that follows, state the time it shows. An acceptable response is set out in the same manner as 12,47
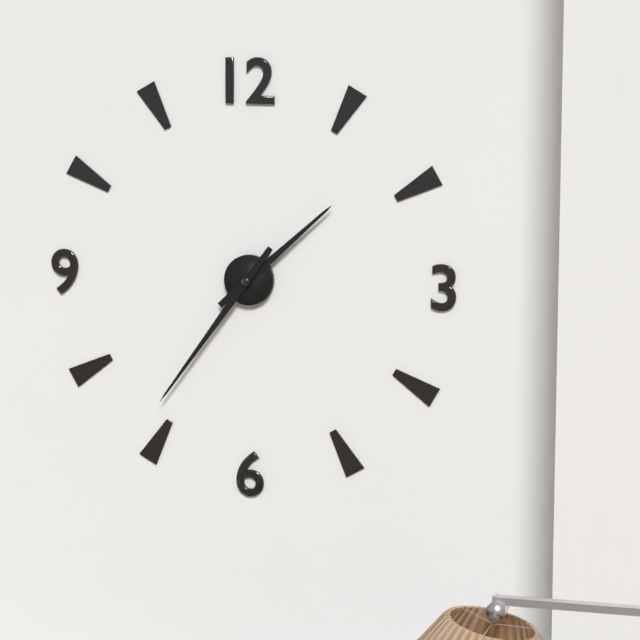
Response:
1,36
